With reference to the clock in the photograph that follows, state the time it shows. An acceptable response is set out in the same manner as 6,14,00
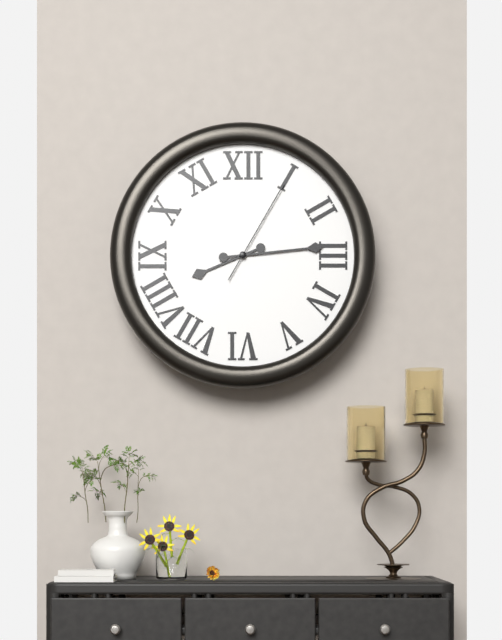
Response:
8,14,05
